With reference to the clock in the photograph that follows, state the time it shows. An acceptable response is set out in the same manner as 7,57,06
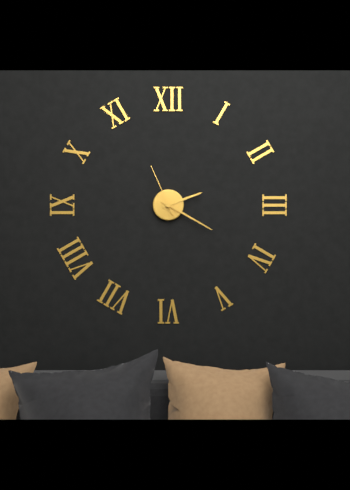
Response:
2,20,56
